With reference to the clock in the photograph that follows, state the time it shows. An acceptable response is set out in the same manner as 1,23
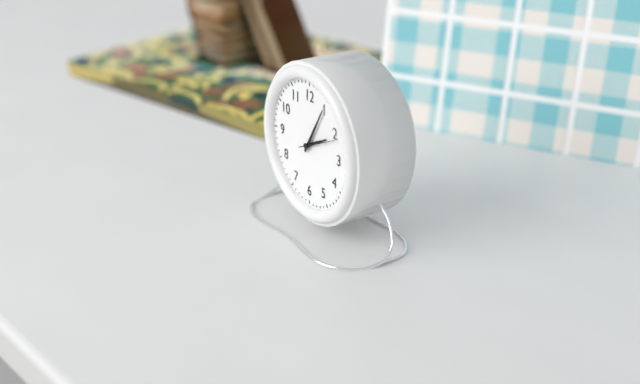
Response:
2,05
